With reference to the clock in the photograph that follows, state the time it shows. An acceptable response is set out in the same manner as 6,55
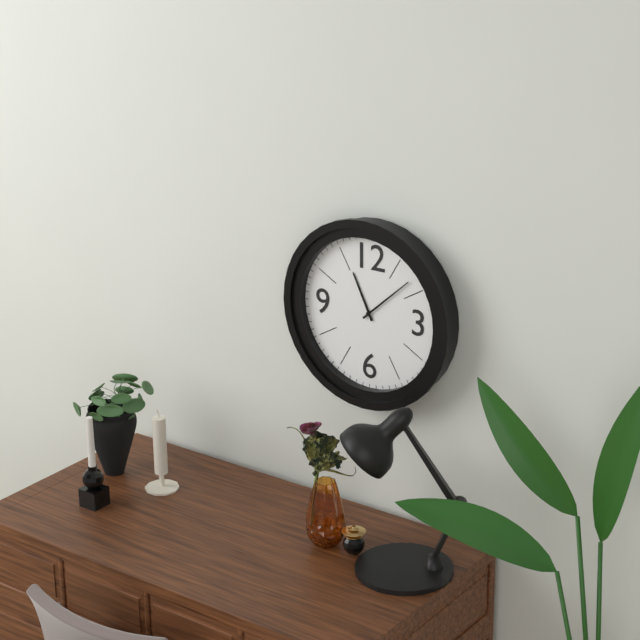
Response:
11,08
